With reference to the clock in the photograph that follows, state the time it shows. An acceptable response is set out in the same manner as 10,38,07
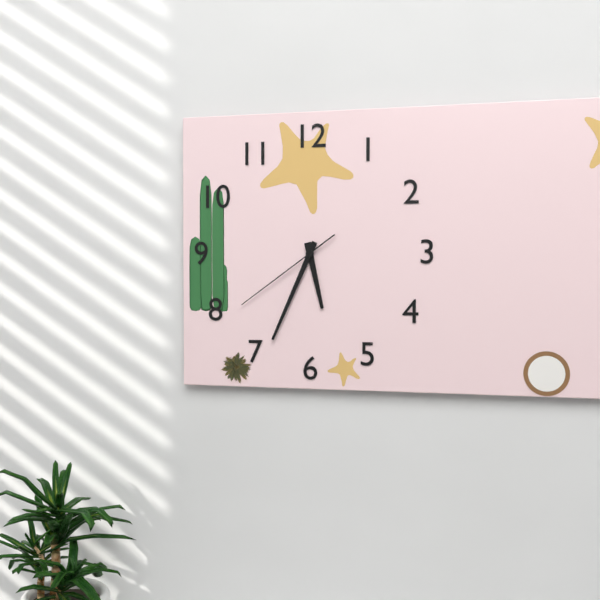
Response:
5,34,39
